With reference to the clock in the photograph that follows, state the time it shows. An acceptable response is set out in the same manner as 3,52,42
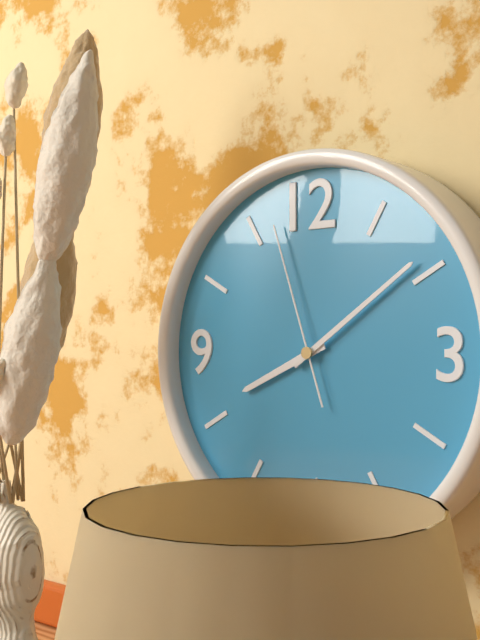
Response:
8,09,57
